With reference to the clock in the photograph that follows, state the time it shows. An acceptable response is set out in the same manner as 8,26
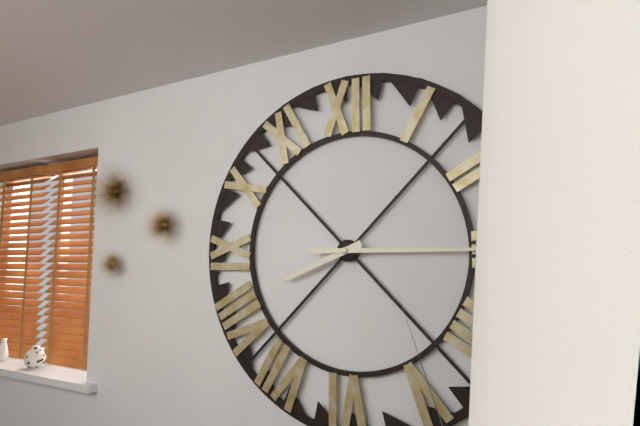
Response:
8,15
